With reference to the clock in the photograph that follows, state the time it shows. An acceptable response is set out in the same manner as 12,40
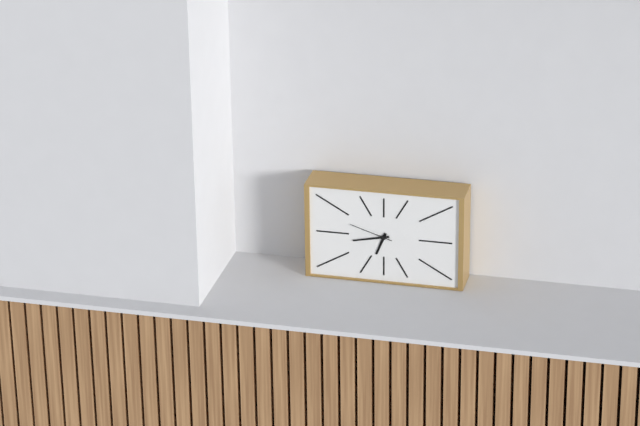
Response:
6,43
